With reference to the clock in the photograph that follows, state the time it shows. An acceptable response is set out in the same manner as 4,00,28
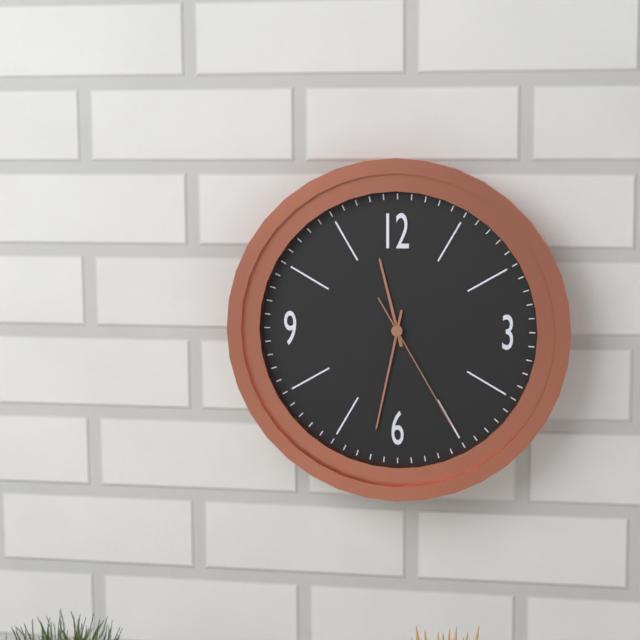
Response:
11,32,25
